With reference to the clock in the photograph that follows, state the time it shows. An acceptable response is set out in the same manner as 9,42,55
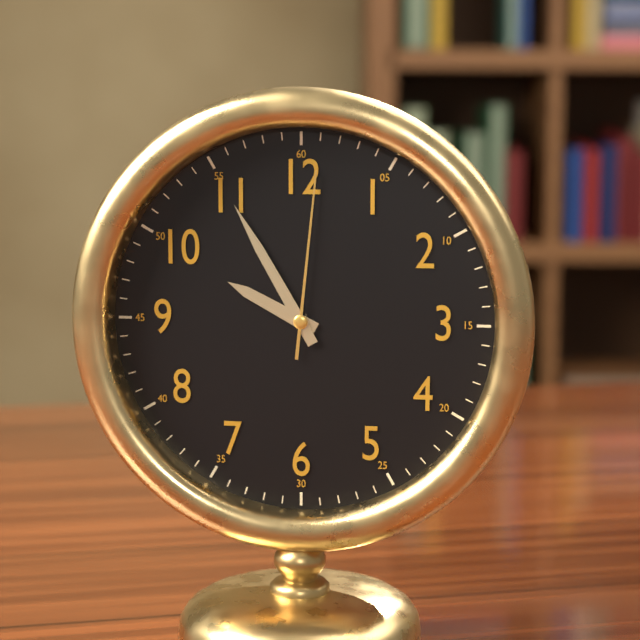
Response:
9,55,01
